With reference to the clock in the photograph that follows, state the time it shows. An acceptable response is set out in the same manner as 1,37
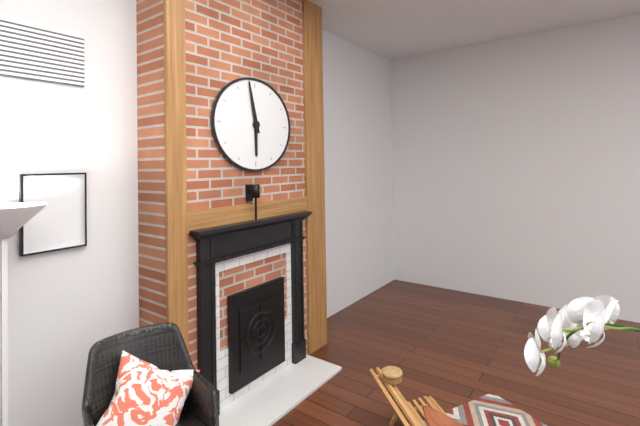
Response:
5,58
